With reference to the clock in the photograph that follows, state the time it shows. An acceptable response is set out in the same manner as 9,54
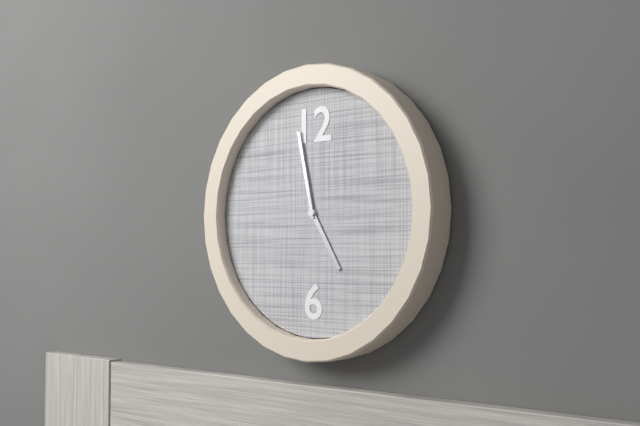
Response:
4,58
